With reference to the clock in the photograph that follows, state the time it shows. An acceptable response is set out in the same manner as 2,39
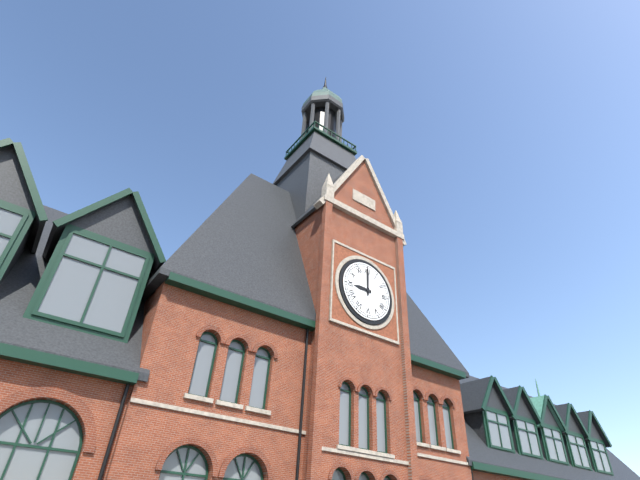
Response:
9,00
